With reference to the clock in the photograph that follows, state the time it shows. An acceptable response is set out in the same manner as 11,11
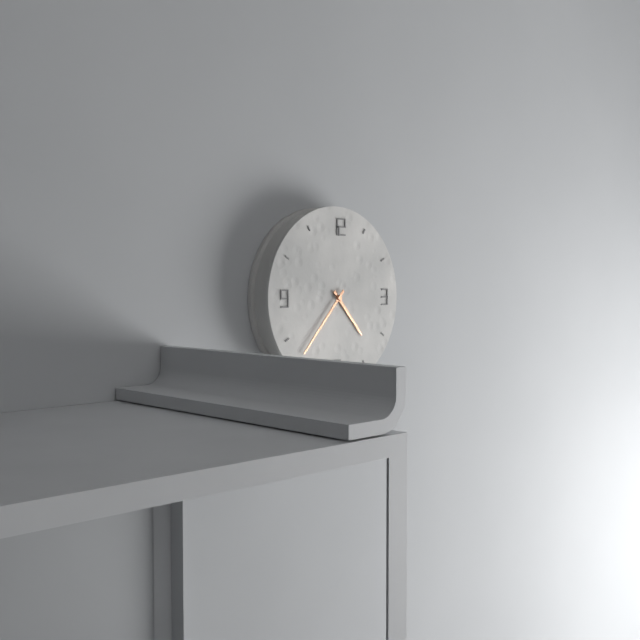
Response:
4,37
